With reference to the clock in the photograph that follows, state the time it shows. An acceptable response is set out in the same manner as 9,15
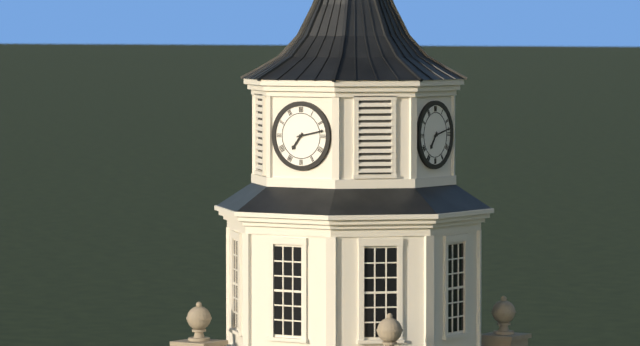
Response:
7,13
